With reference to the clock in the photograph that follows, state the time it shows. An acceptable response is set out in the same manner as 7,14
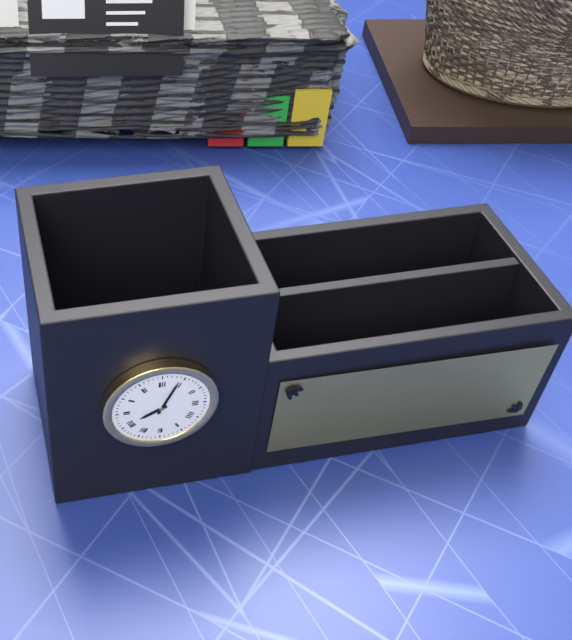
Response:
8,04
